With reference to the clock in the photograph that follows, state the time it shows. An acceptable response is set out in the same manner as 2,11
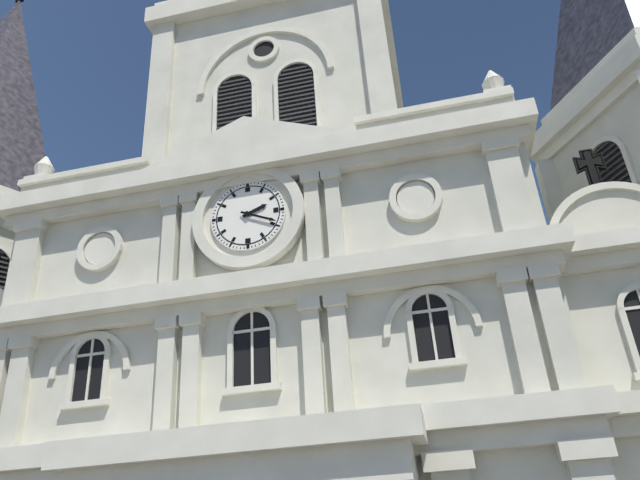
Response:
2,19
